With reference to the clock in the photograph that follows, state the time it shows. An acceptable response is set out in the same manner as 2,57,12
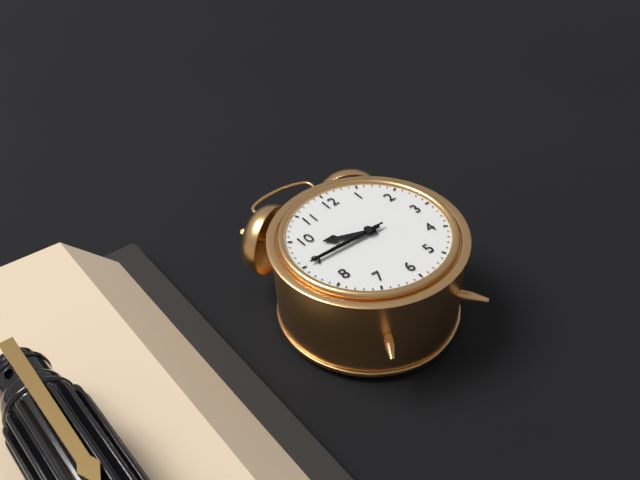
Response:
9,45,45
